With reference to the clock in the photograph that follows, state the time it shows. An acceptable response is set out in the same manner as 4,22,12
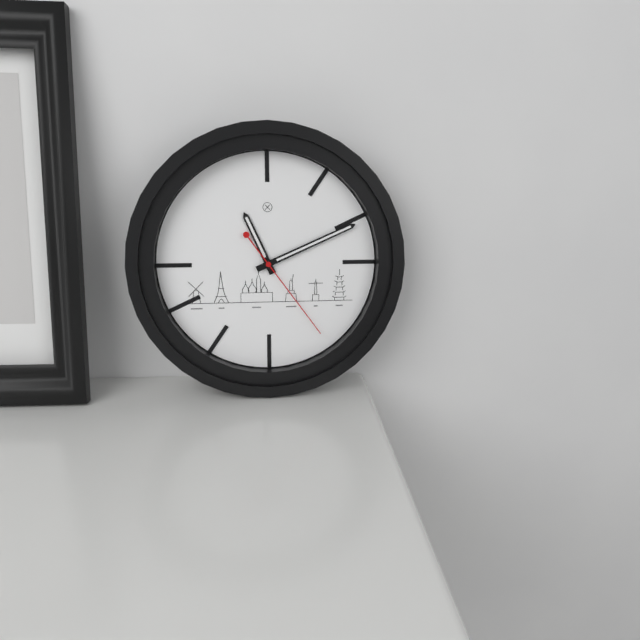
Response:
11,11,24
